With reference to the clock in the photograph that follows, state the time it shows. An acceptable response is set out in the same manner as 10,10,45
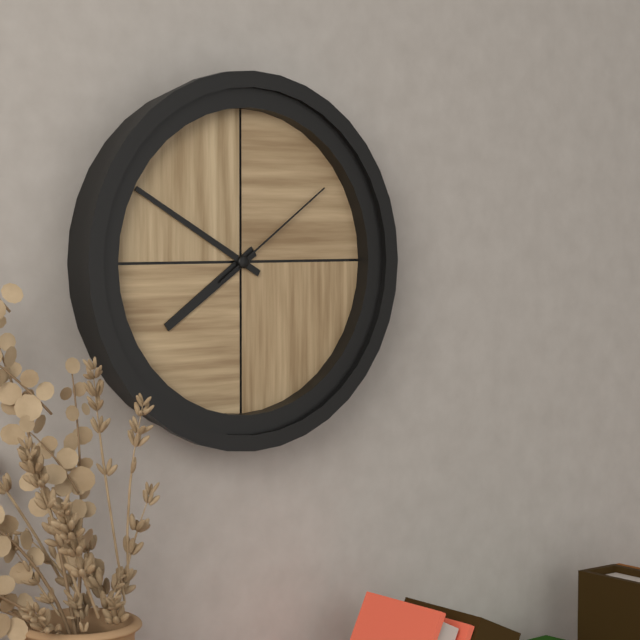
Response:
7,50,09
